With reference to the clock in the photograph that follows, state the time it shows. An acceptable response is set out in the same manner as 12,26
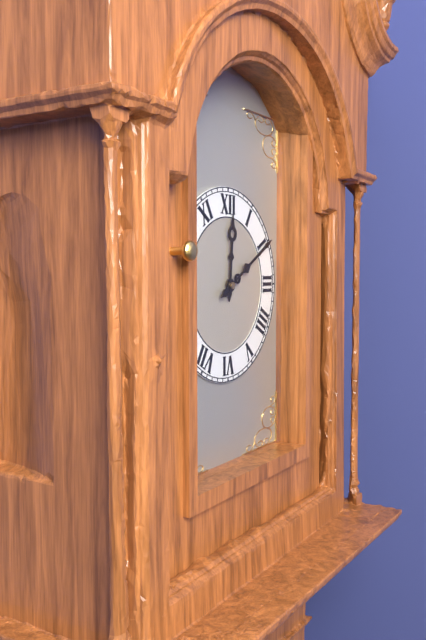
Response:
12,10
